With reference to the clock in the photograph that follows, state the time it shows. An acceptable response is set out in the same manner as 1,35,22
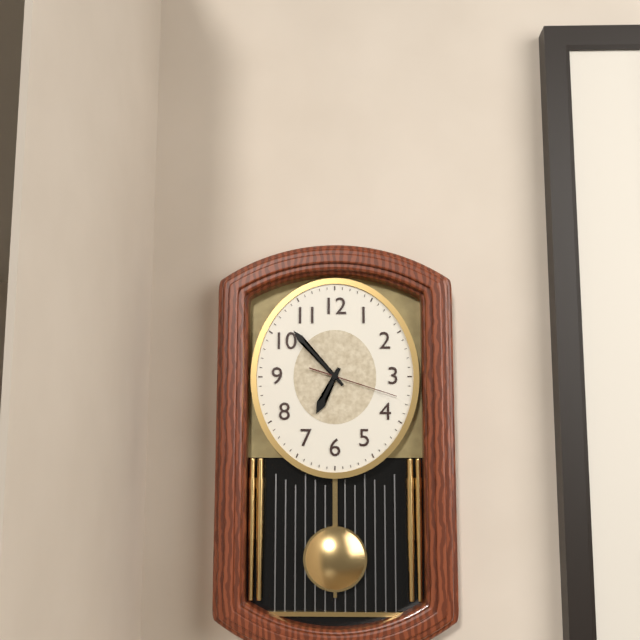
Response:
6,53,18
